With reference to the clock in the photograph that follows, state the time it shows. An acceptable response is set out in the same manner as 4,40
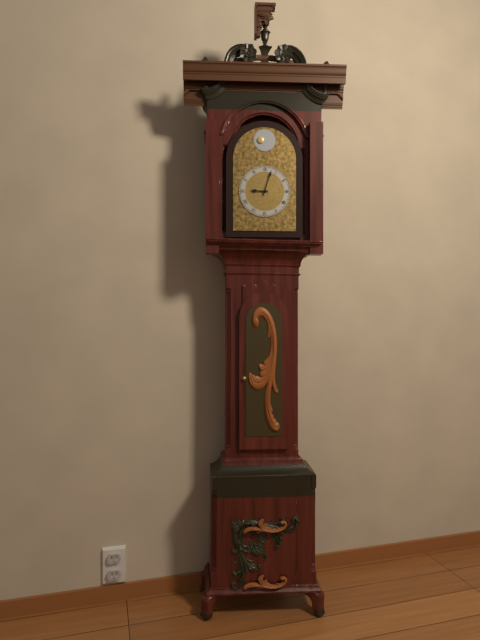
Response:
9,03
